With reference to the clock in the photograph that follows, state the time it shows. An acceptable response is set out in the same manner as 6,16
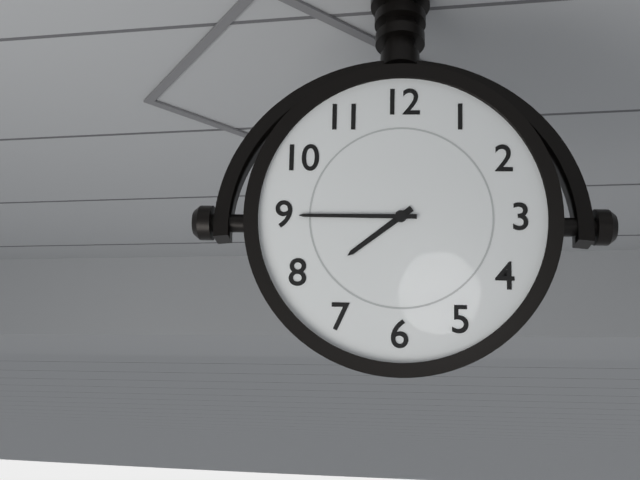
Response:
7,45
